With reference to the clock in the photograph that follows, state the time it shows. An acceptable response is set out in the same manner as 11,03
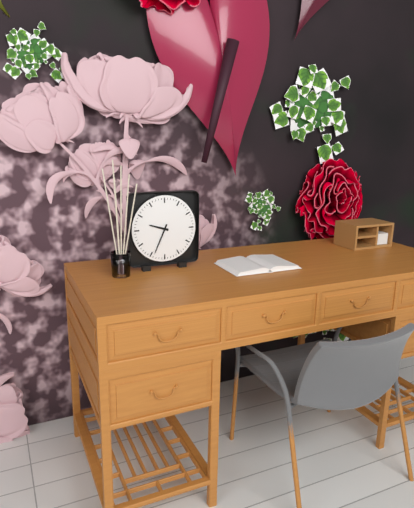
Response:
9,34
